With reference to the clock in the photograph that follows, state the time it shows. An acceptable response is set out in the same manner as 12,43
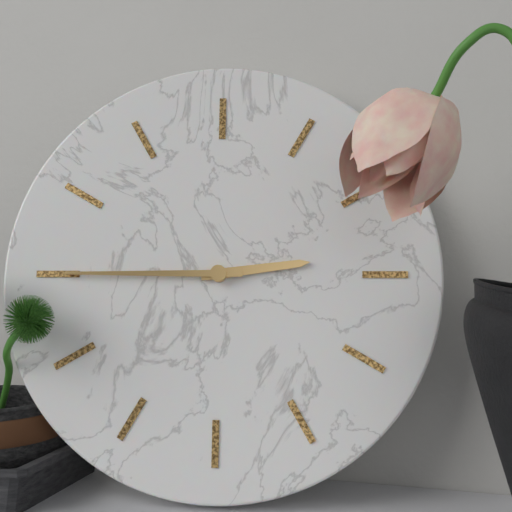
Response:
2,45
